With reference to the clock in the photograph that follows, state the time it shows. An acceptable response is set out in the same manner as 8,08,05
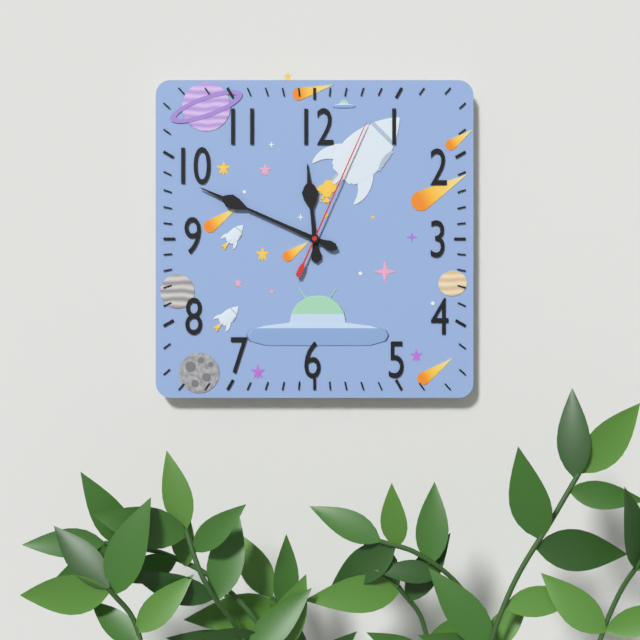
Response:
11,49,04
